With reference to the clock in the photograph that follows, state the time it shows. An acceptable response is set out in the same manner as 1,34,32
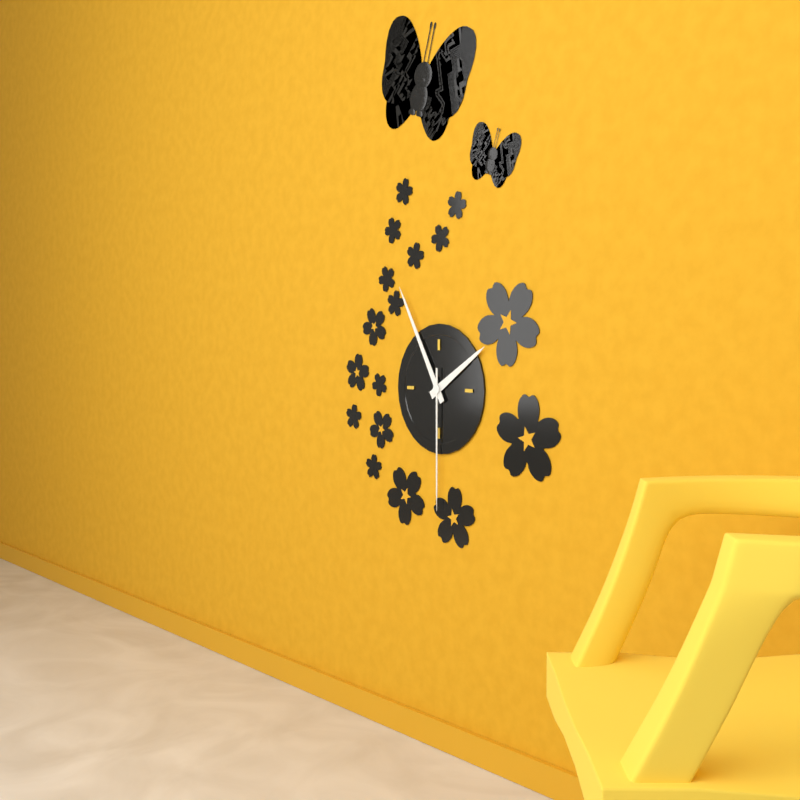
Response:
1,55,30
